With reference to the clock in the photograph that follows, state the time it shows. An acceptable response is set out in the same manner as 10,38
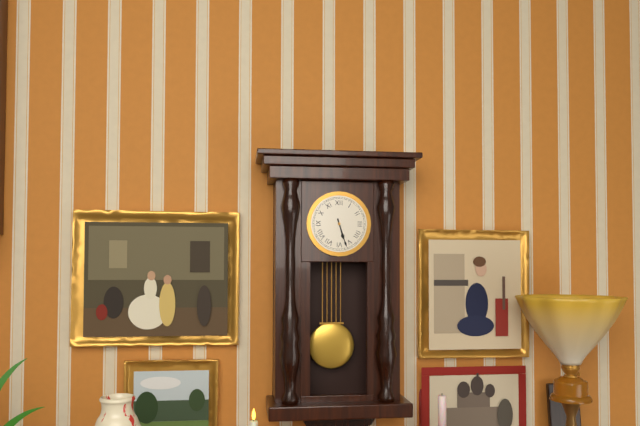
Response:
5,27
